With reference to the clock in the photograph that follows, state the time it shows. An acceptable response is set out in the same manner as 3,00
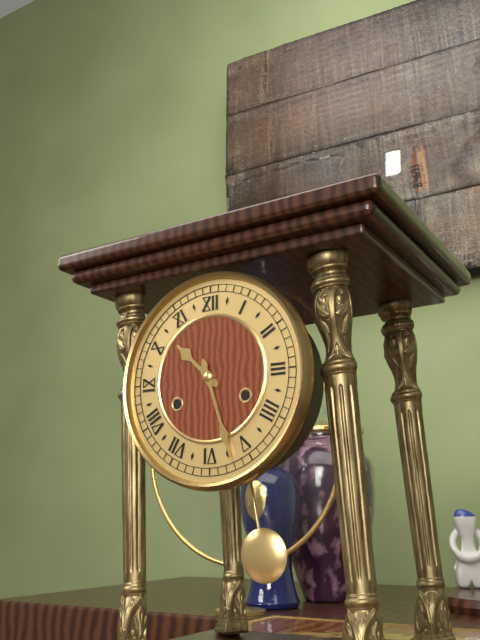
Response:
10,27
